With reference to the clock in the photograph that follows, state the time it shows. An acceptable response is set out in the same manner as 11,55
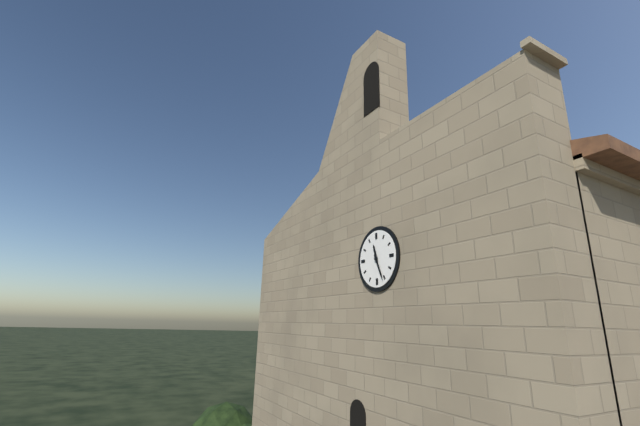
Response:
11,26
